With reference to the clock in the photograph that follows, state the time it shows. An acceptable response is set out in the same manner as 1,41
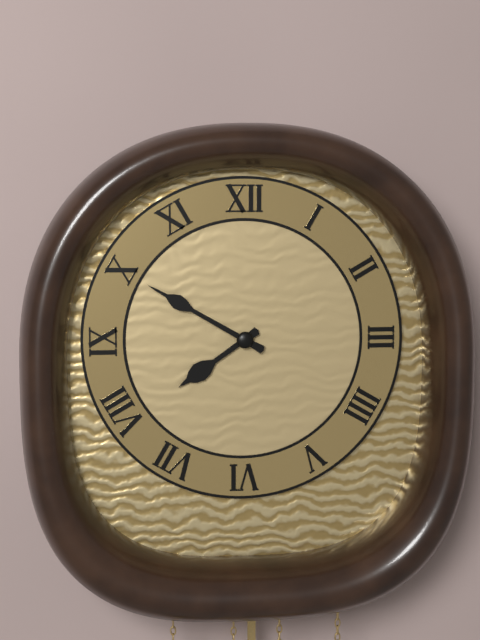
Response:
7,50
